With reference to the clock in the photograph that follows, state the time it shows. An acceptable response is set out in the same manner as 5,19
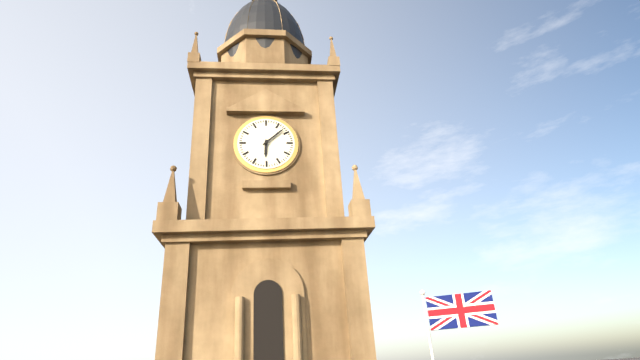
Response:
6,08
